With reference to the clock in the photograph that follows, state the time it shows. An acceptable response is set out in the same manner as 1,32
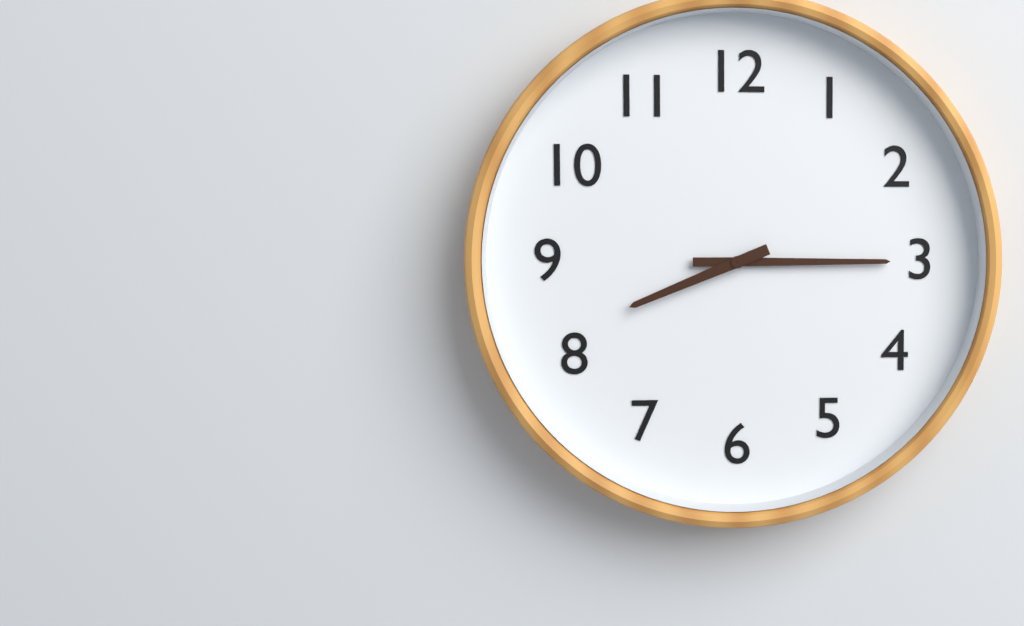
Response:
8,15
